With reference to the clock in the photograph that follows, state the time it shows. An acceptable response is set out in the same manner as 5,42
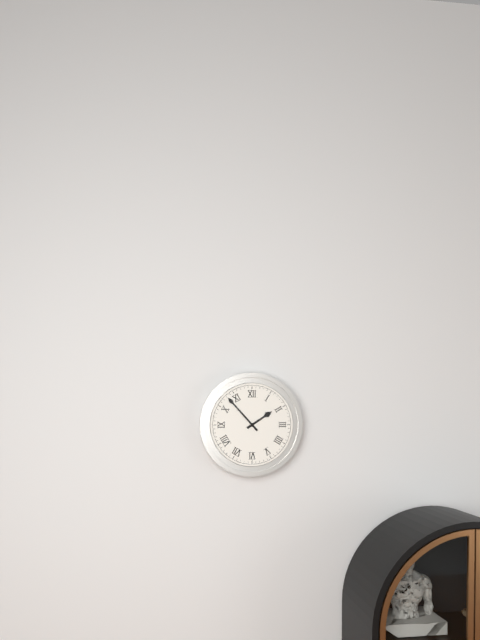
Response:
1,53
